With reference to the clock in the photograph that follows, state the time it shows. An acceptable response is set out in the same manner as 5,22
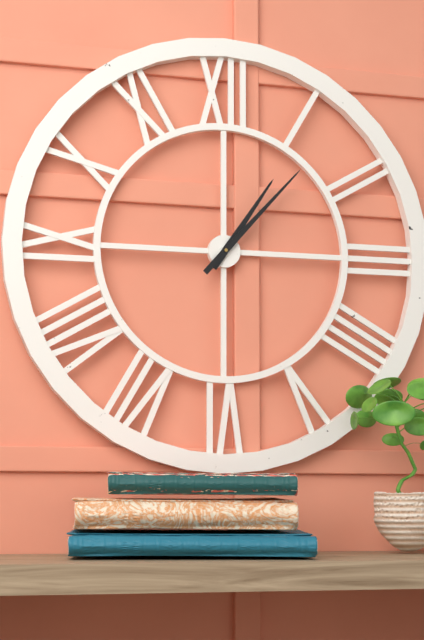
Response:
1,07
